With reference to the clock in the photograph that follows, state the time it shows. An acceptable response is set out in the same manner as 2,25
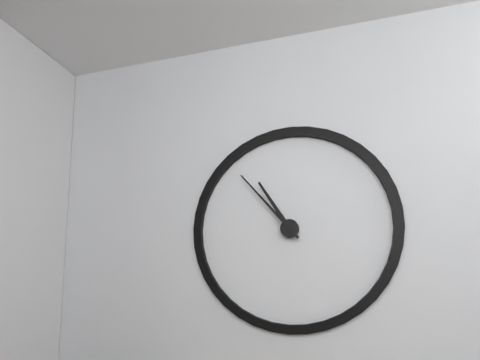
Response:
10,53
